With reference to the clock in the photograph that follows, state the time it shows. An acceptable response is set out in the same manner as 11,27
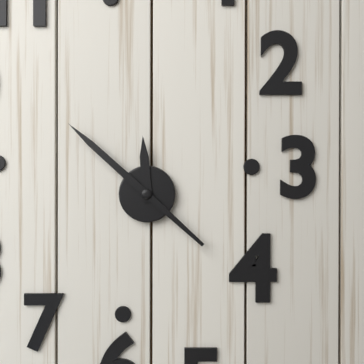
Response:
11,52
